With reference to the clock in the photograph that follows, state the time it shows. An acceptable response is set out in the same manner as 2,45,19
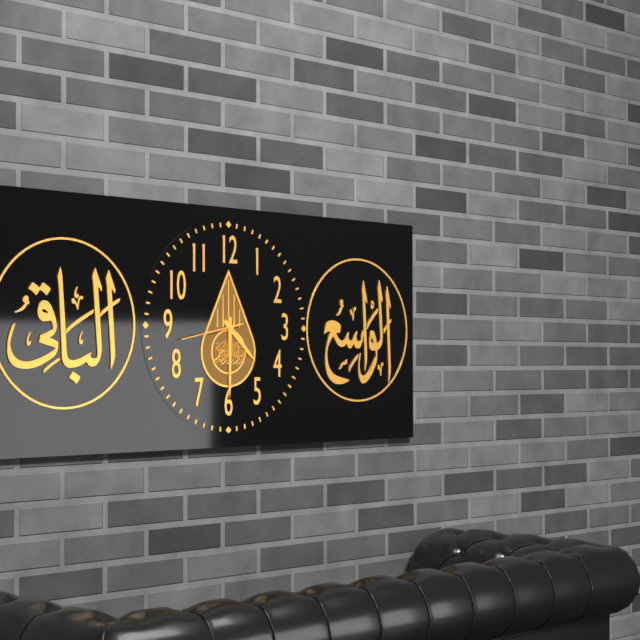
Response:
4,30,43
